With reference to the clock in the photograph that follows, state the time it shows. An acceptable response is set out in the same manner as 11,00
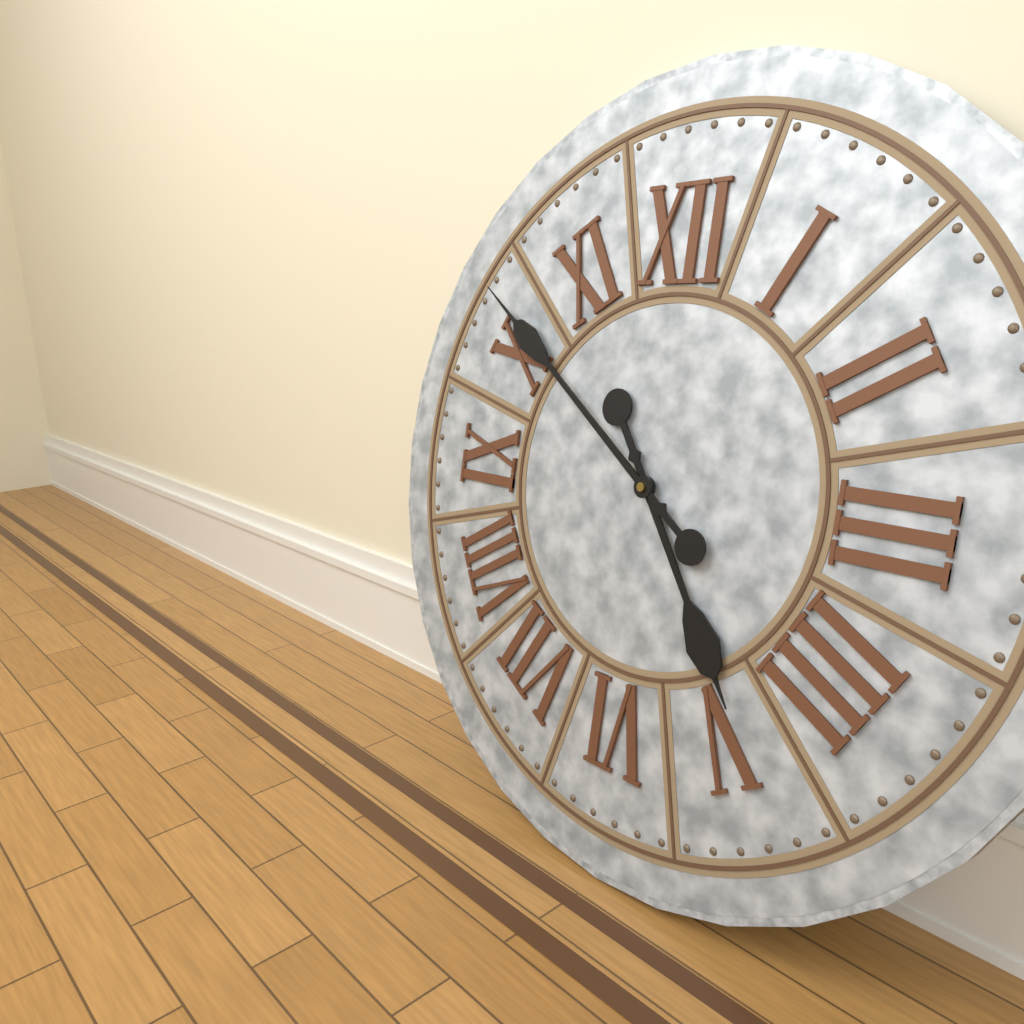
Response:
4,51
